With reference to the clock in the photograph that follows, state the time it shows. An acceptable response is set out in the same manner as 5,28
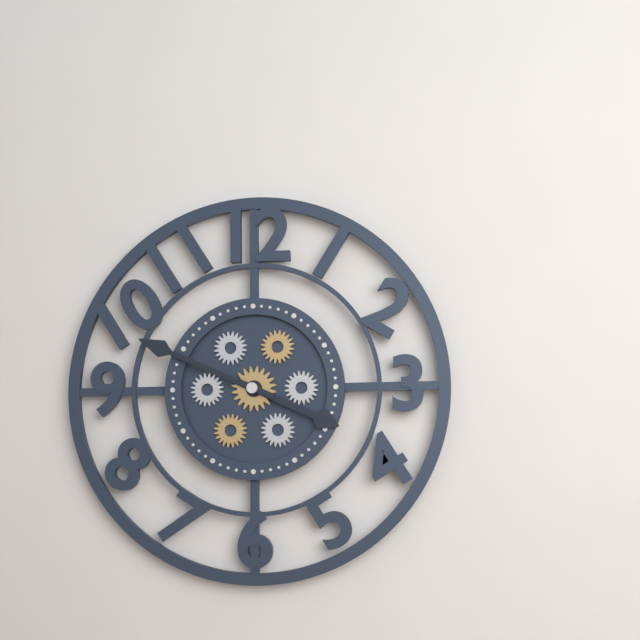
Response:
3,49
